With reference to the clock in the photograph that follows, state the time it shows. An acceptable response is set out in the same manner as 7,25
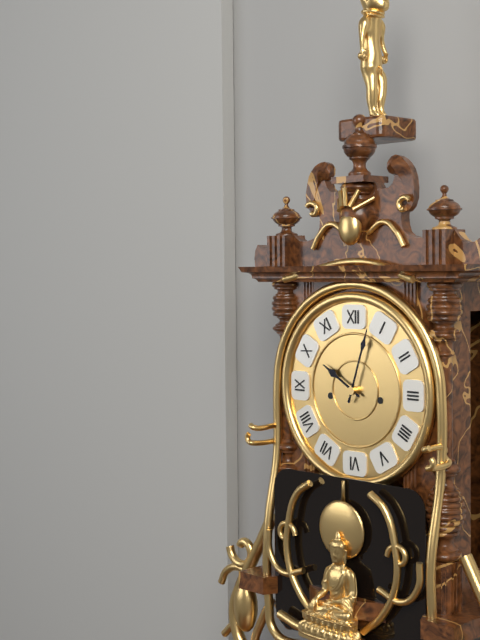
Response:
10,03
